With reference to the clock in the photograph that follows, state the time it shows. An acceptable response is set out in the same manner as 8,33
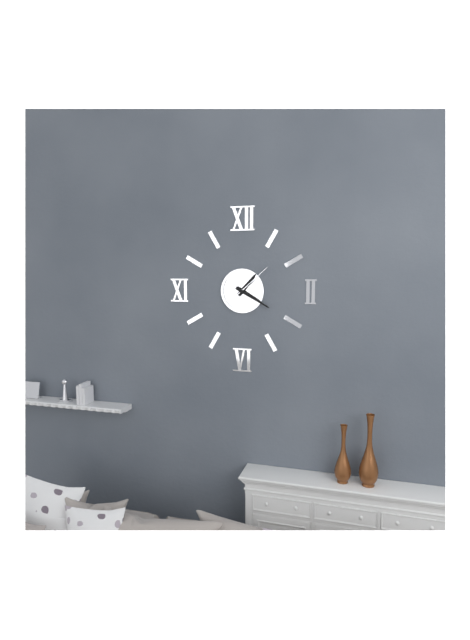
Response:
1,20
